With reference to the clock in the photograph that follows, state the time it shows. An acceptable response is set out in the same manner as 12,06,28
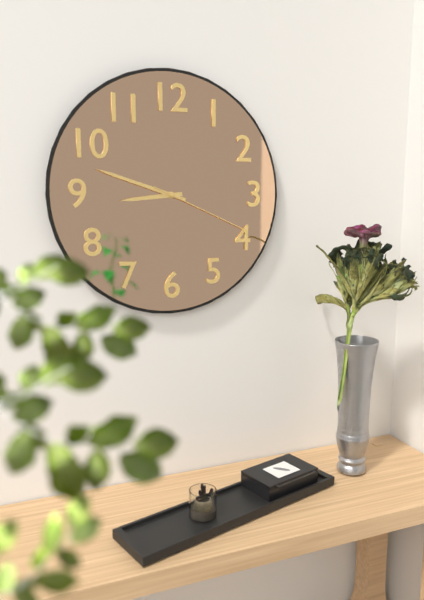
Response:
8,48,19
